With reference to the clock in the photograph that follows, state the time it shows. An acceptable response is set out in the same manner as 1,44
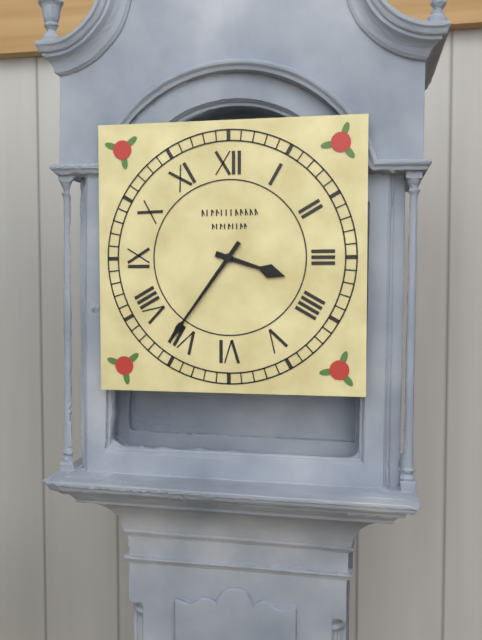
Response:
3,36
